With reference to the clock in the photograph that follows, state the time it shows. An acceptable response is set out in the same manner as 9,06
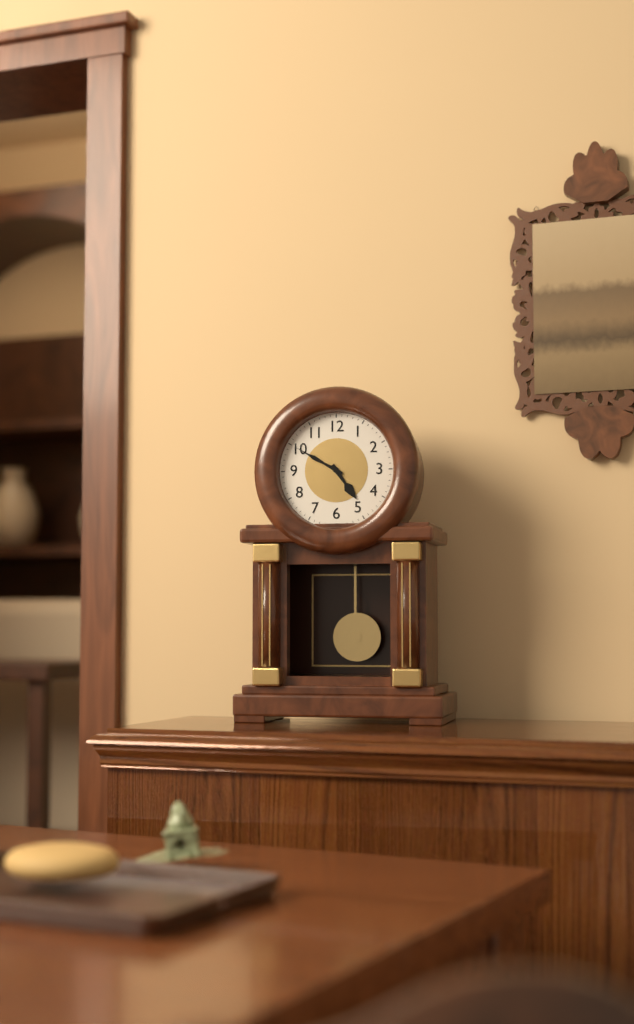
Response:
4,50
